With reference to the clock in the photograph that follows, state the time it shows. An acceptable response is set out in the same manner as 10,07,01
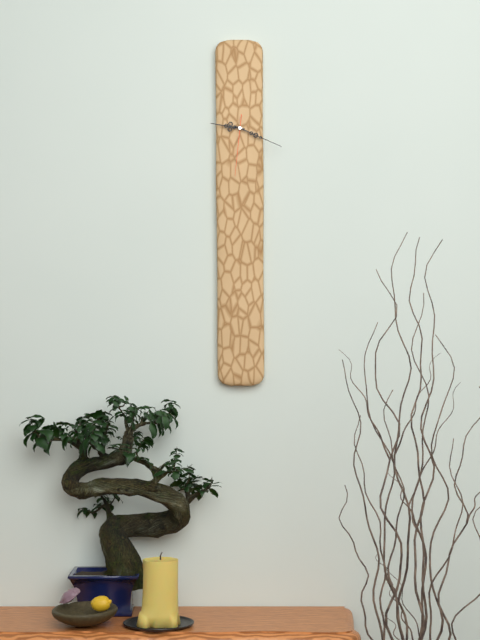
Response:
9,19,31
